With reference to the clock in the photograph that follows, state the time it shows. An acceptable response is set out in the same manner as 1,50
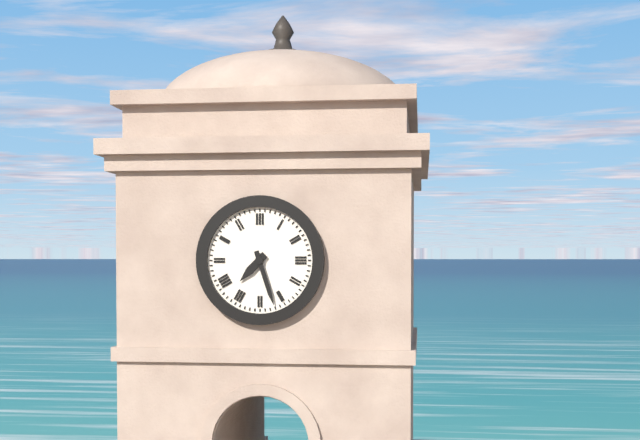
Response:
7,27
